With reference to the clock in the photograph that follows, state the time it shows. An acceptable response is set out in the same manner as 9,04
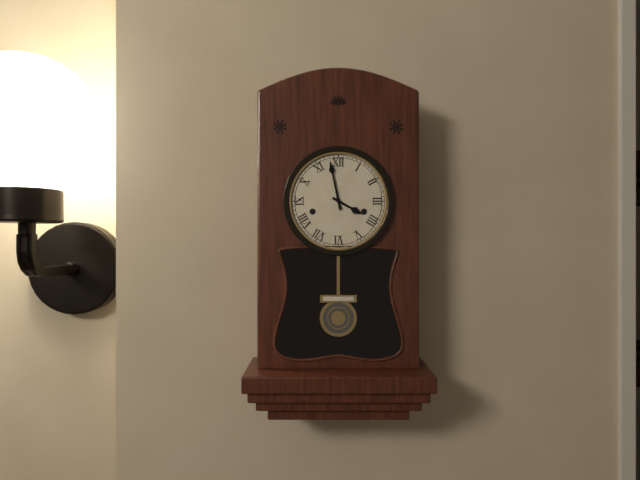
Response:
3,58
